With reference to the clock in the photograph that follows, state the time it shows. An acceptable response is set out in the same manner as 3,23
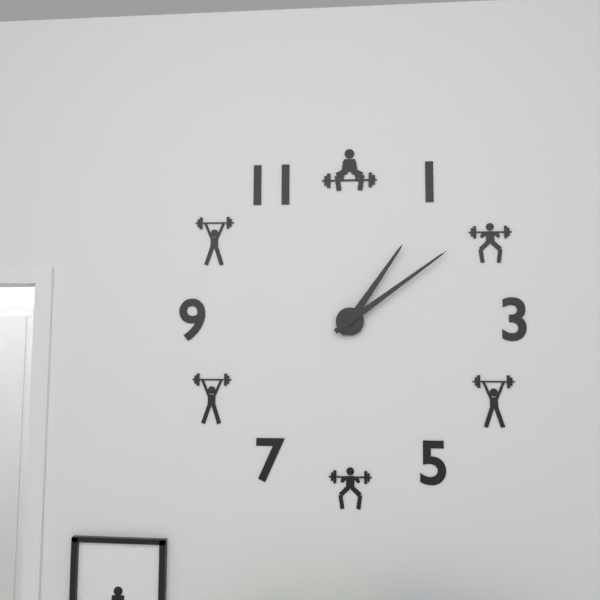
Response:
1,09
